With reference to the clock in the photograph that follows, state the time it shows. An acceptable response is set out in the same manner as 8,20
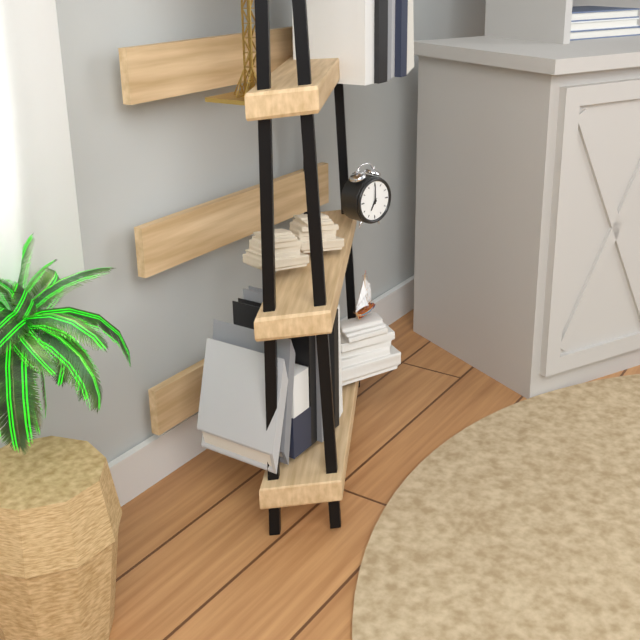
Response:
7,00
